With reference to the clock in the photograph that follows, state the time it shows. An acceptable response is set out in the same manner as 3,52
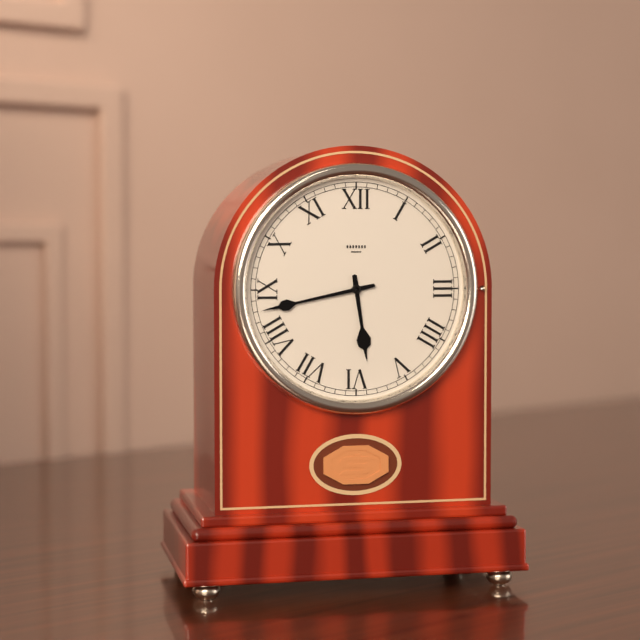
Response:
5,43
